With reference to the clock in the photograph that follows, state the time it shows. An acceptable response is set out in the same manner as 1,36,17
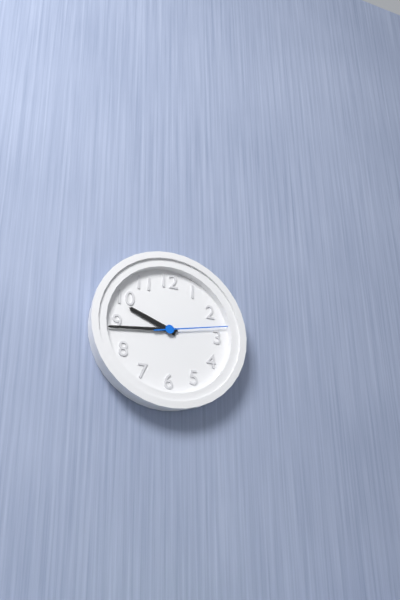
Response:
9,44,13
